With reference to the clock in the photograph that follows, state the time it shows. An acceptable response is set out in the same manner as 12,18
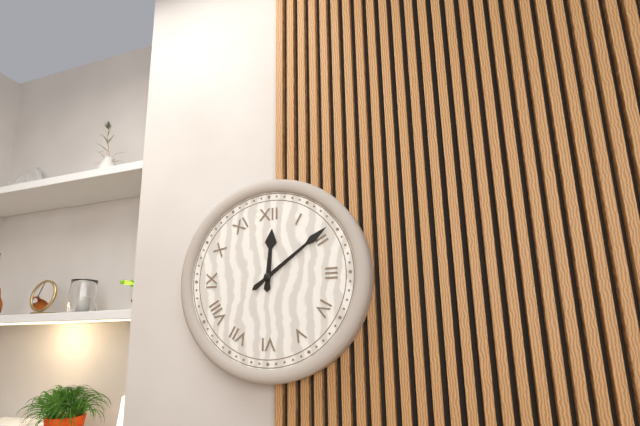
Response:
12,09
